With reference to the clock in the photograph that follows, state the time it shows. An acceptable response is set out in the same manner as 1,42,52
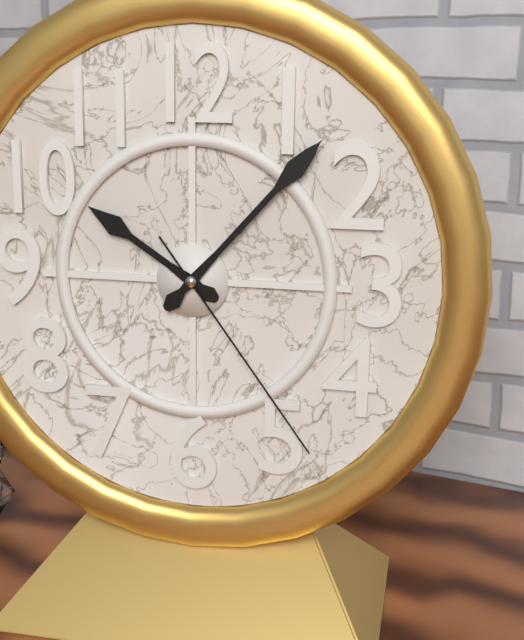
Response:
10,07,24
